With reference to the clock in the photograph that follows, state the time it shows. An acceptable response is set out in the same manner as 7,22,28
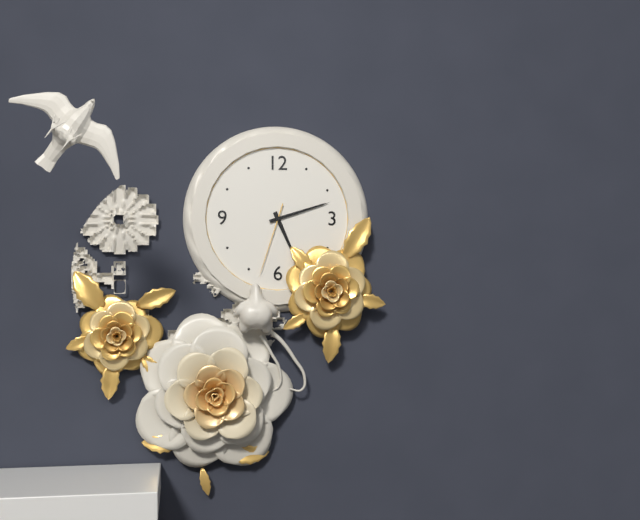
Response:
5,12,33
